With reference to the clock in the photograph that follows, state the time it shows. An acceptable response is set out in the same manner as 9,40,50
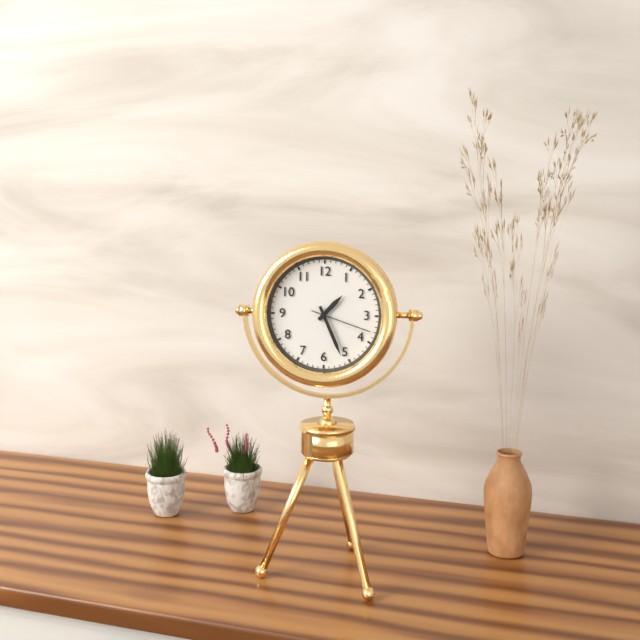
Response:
1,26,18
